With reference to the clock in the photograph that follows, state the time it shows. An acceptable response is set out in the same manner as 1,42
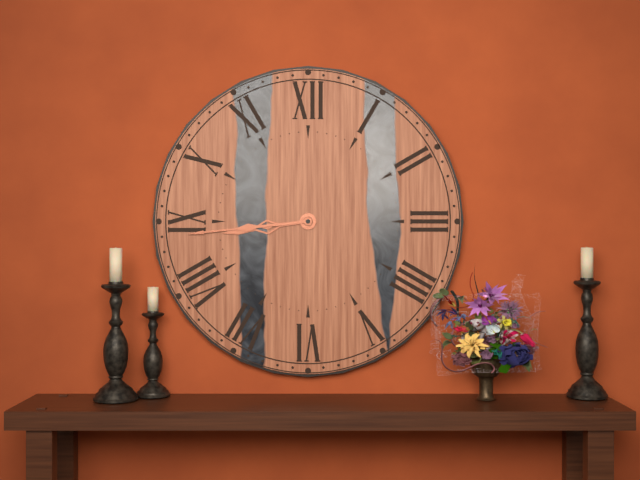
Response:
8,44
